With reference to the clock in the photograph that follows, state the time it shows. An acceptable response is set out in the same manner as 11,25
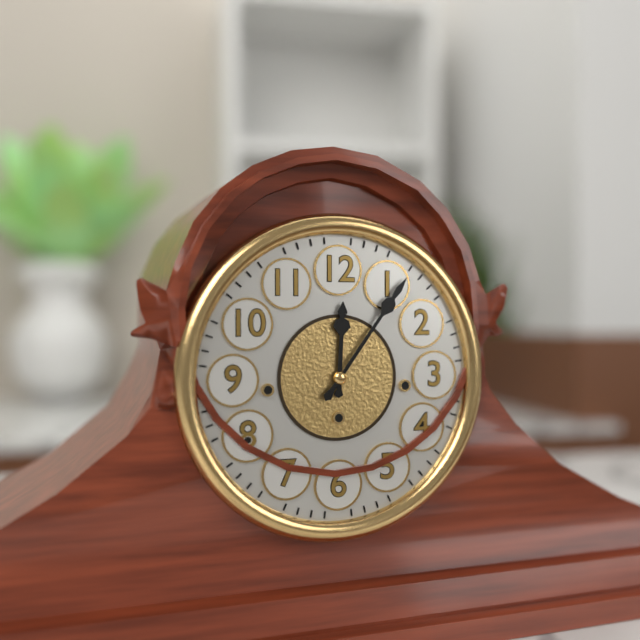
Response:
12,06
